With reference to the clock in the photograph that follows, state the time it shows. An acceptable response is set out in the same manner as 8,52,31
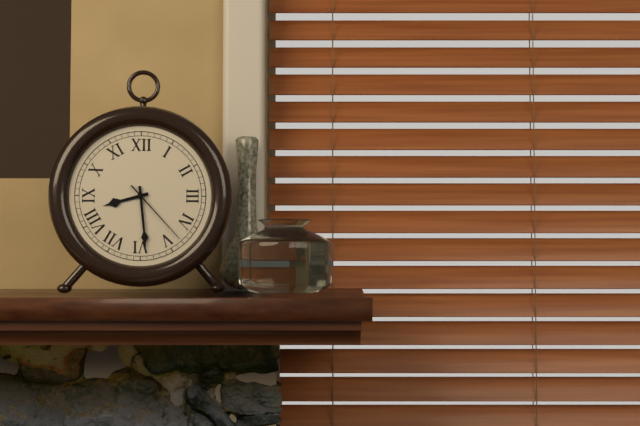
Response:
8,29,23
